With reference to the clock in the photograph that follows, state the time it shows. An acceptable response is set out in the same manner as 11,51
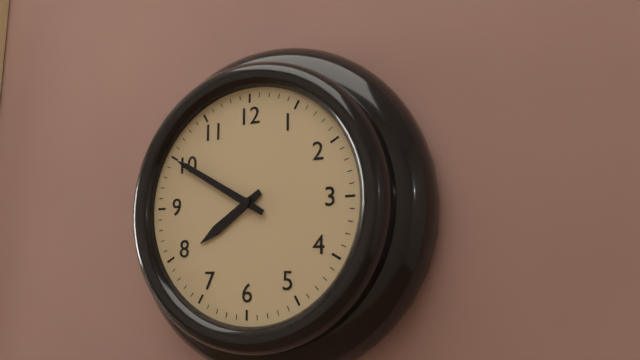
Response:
7,50
